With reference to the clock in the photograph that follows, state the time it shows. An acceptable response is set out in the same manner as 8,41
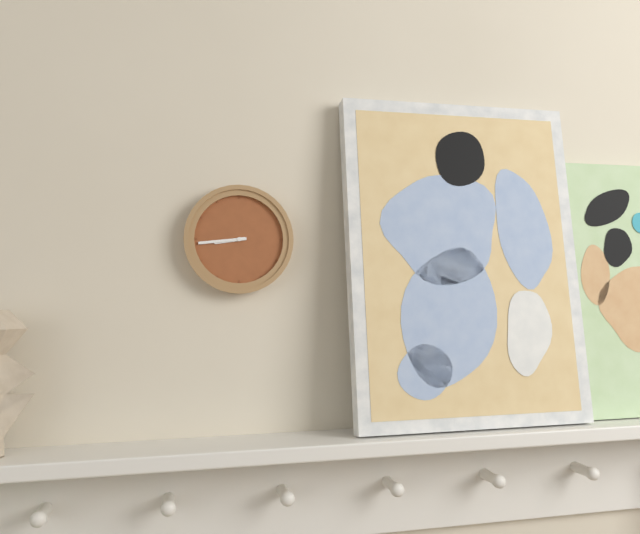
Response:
8,44
